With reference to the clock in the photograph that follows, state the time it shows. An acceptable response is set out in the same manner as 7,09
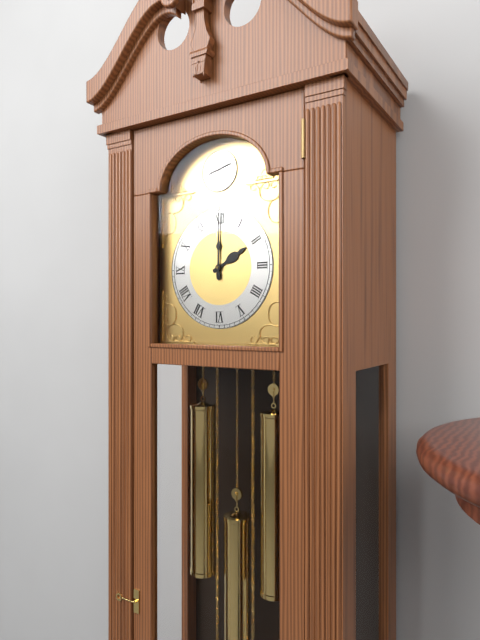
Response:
2,00
